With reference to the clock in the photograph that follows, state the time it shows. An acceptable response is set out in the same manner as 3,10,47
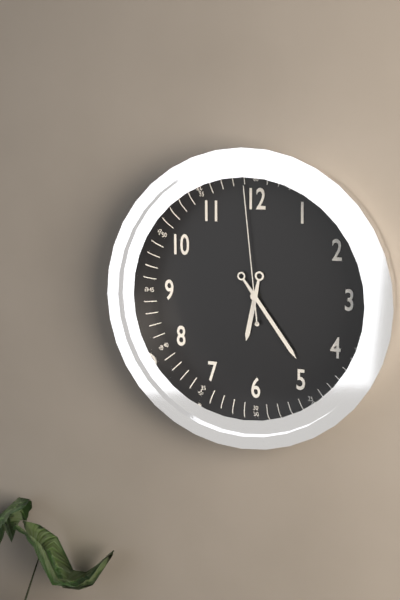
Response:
6,24,59
